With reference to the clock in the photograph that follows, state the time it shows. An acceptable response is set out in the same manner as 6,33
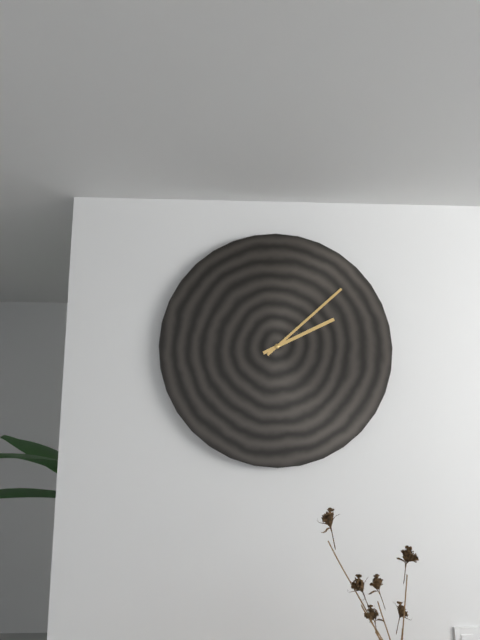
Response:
2,08
